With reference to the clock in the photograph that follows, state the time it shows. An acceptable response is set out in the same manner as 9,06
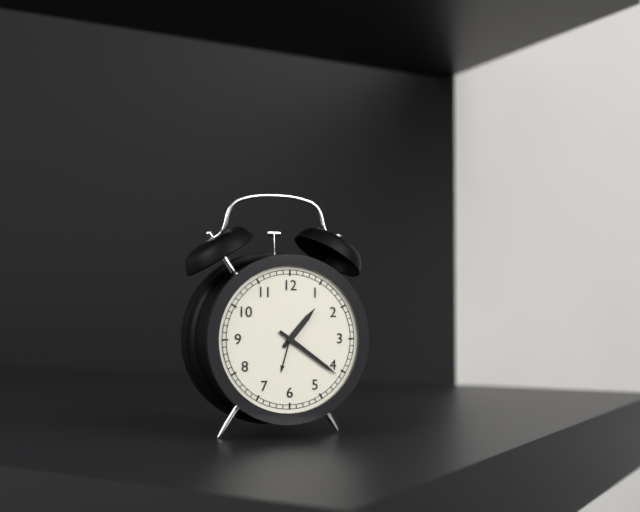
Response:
1,21
